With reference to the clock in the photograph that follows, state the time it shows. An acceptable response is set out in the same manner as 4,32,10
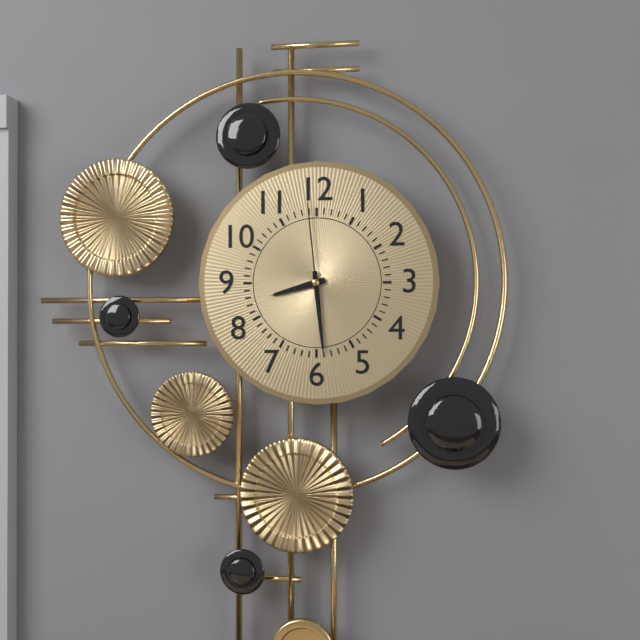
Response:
8,29,59
